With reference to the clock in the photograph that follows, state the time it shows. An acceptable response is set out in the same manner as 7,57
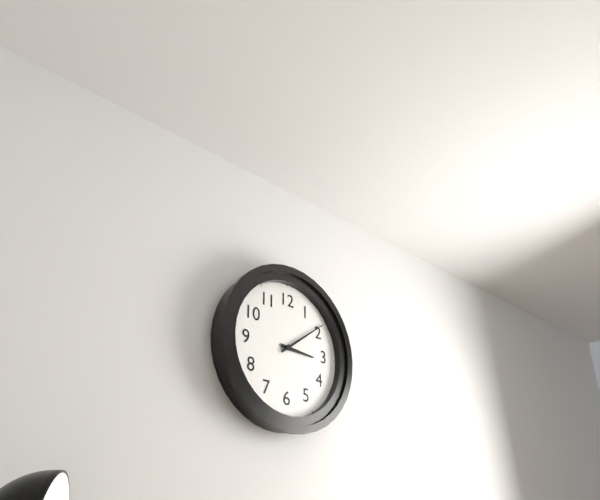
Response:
3,09
